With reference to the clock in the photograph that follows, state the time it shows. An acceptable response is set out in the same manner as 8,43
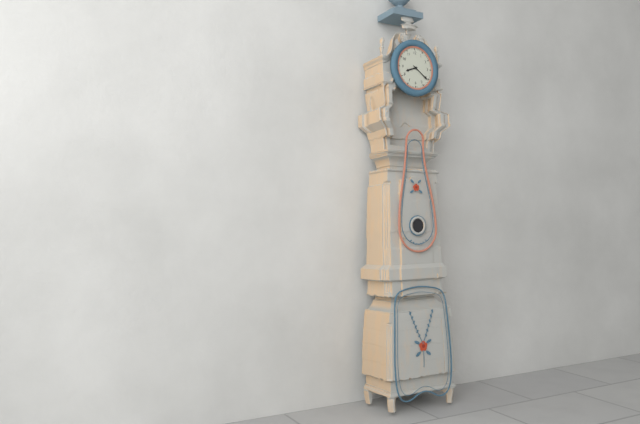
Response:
8,21
